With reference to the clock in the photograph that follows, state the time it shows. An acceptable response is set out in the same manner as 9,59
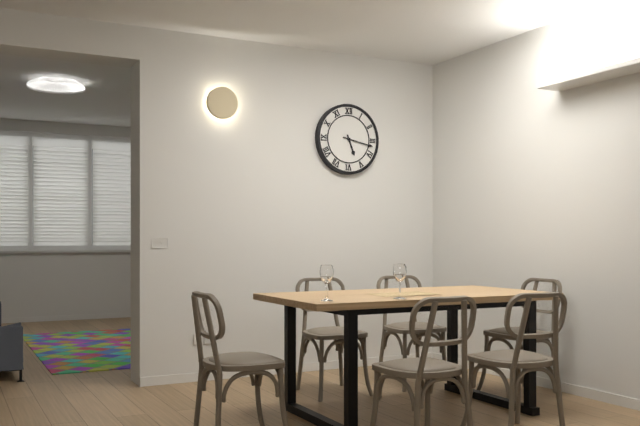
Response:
5,17
